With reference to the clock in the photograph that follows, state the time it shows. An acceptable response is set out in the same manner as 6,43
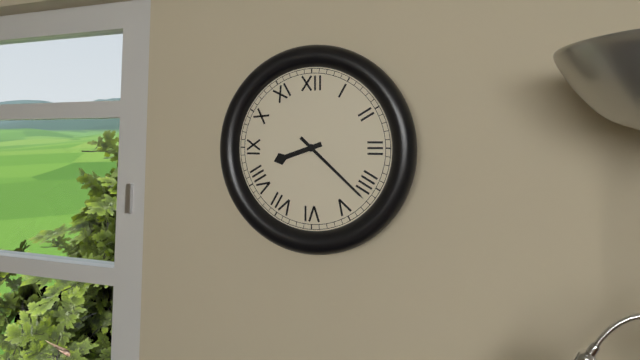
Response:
8,22
